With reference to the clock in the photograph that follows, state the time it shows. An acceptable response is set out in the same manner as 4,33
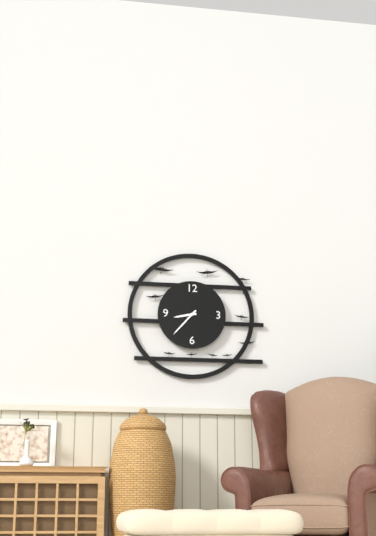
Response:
8,37
